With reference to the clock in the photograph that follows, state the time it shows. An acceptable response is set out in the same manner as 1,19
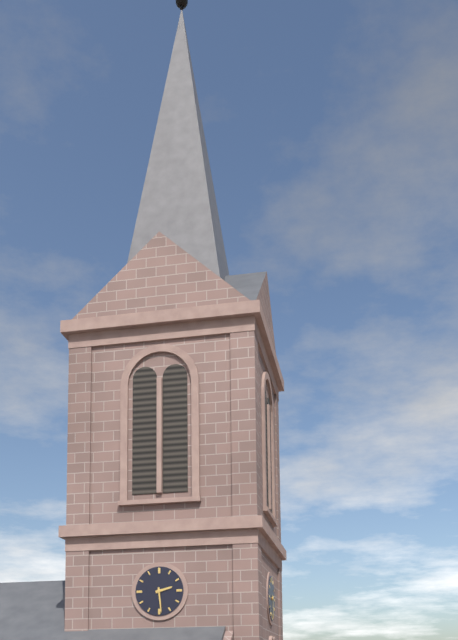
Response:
2,29
